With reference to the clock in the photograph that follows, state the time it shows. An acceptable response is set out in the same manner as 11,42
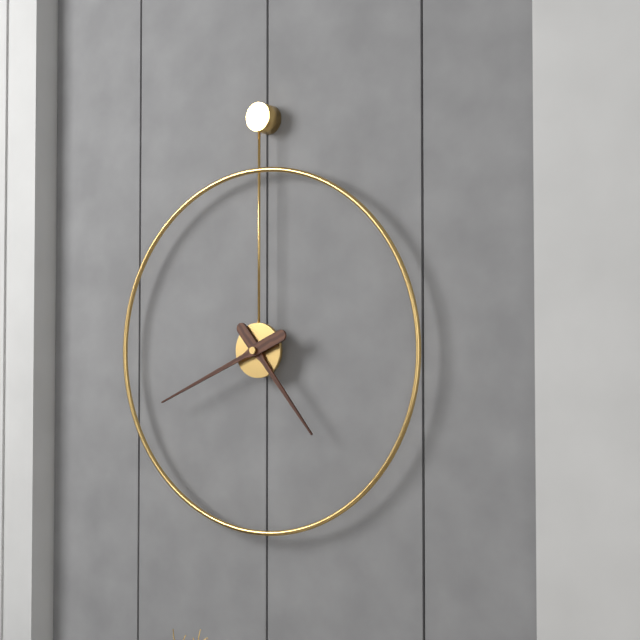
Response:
4,41
